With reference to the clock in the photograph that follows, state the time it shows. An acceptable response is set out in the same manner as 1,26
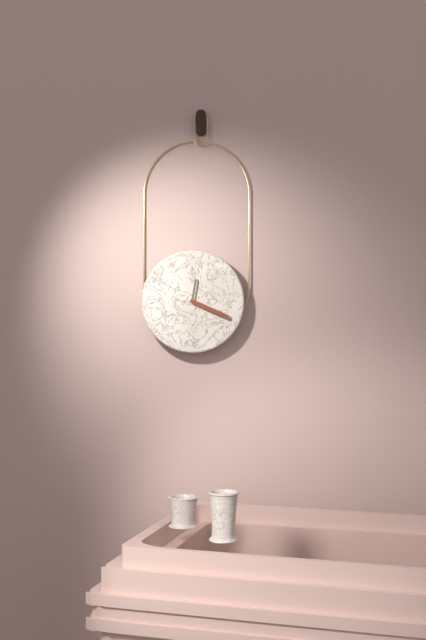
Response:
12,19
